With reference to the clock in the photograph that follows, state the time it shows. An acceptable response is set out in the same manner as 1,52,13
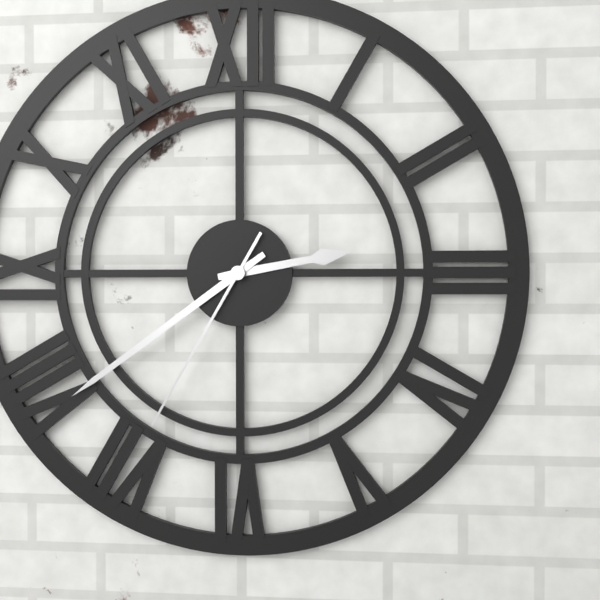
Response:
2,39,35
